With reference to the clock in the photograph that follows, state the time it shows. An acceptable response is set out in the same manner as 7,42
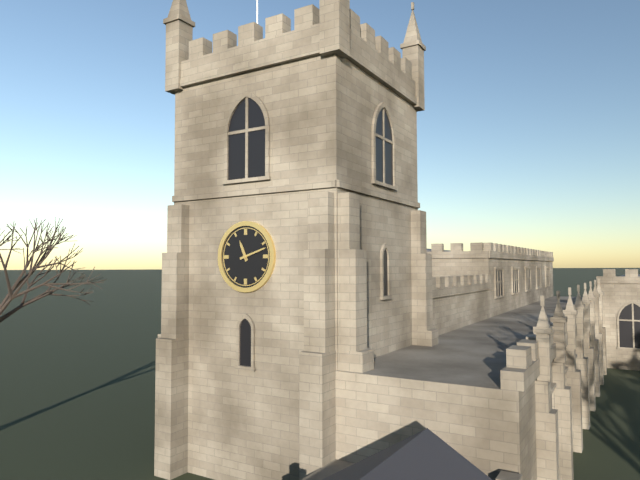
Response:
11,12
